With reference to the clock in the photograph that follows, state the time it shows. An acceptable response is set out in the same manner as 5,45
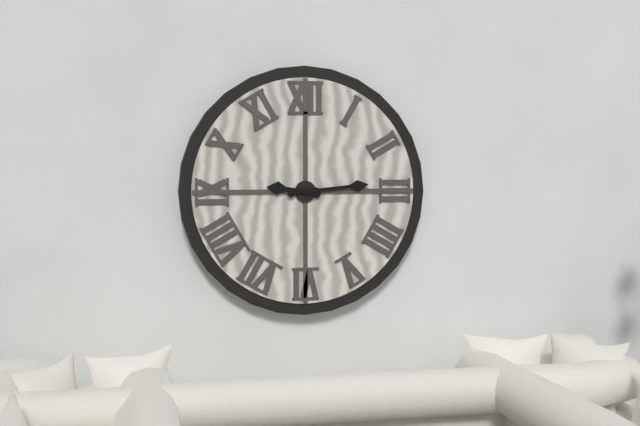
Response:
9,14
